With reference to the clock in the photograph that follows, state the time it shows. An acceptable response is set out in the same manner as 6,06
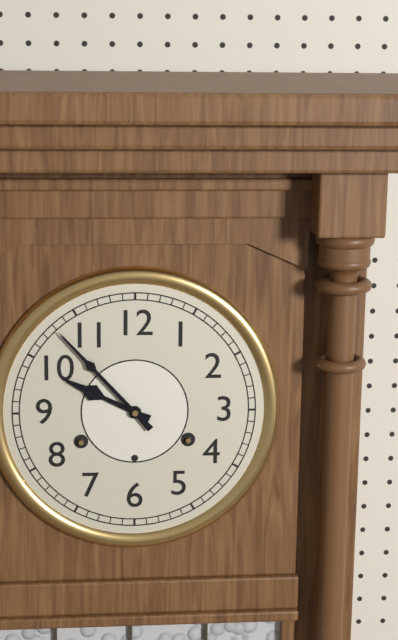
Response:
9,53
